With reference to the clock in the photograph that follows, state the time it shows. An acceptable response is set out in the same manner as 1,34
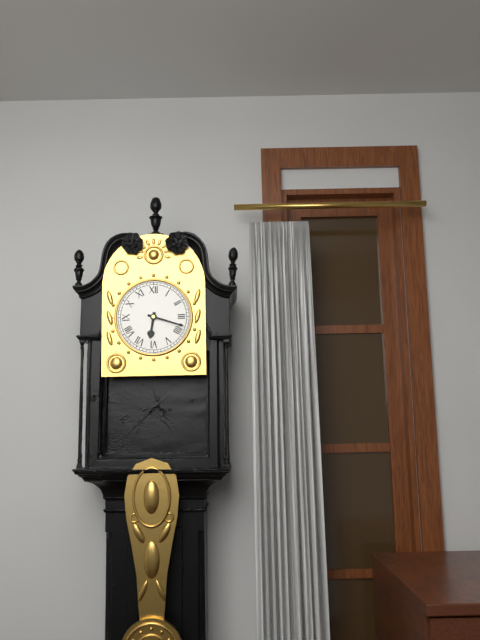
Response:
6,18
